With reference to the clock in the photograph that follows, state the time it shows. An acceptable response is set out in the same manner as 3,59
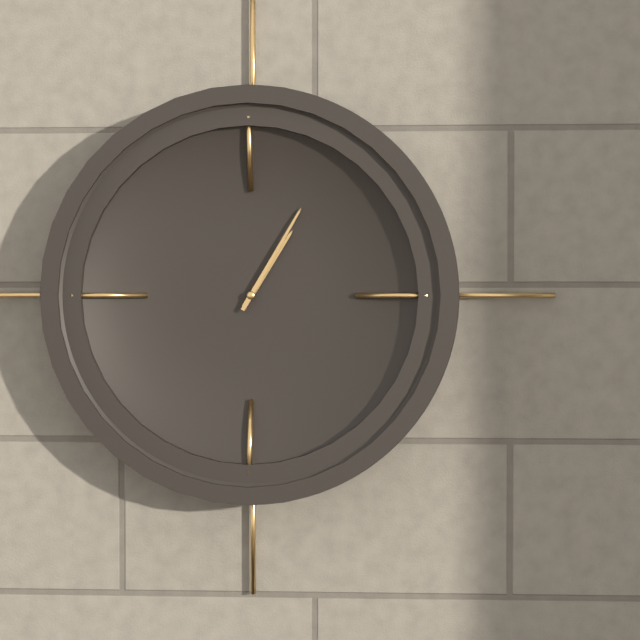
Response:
1,05
